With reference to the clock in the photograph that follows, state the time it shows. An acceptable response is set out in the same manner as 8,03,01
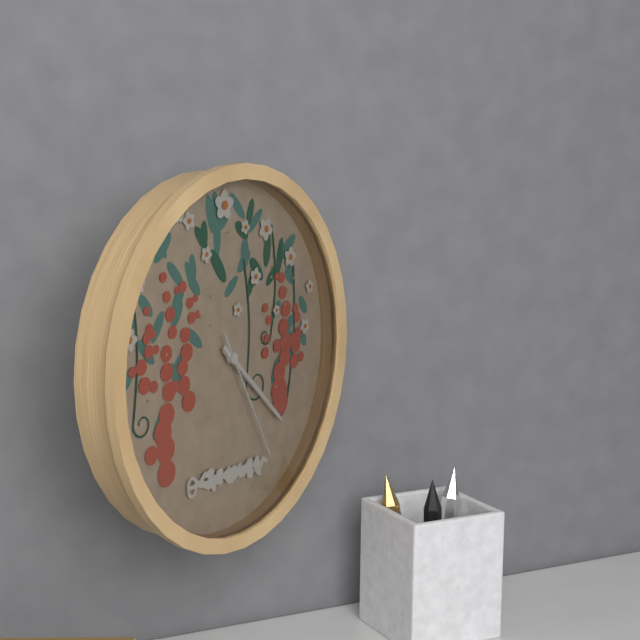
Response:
4,22,25
